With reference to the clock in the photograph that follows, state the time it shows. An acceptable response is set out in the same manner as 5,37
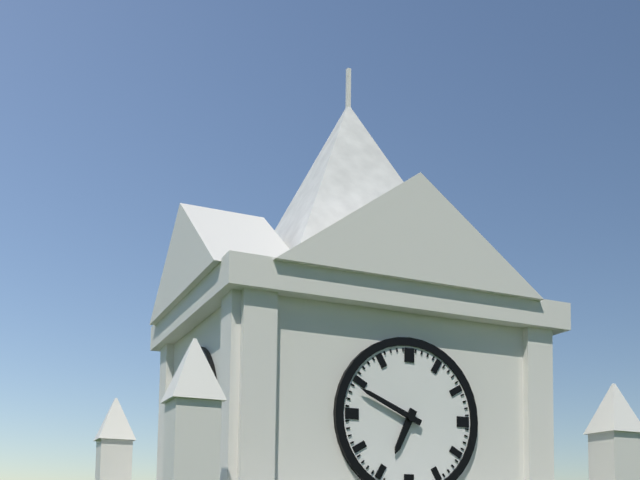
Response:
6,49
